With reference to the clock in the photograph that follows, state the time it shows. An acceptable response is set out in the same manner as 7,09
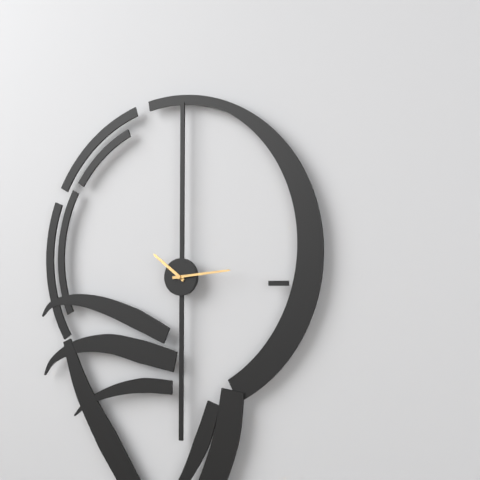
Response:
10,14
